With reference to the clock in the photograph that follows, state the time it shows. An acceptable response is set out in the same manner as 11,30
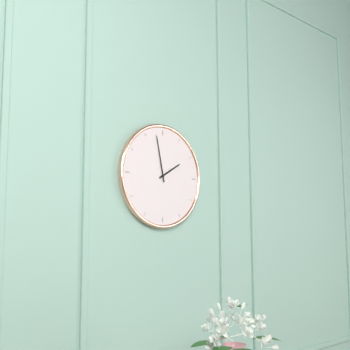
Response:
1,58
